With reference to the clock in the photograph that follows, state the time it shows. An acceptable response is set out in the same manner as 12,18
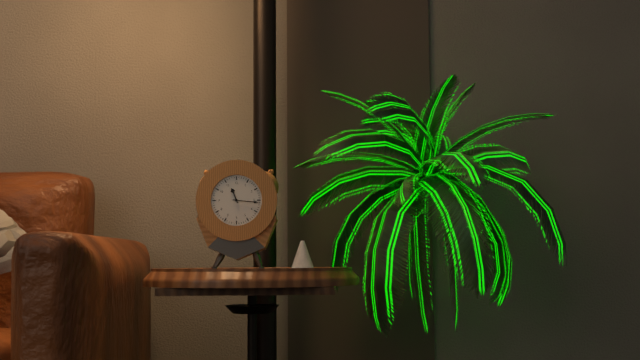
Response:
11,16
